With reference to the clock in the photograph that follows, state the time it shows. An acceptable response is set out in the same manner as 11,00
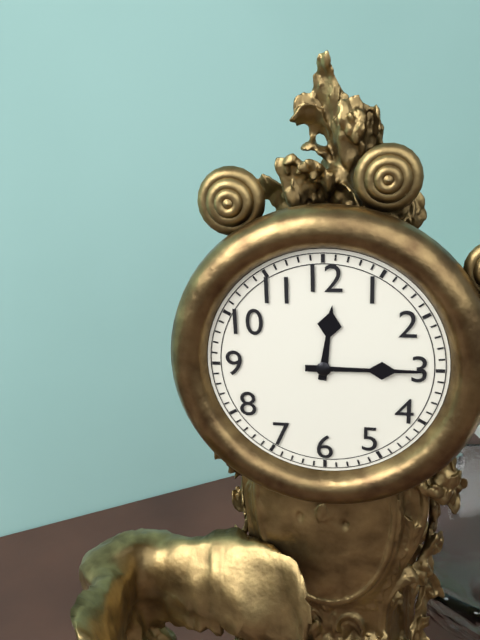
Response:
12,15
